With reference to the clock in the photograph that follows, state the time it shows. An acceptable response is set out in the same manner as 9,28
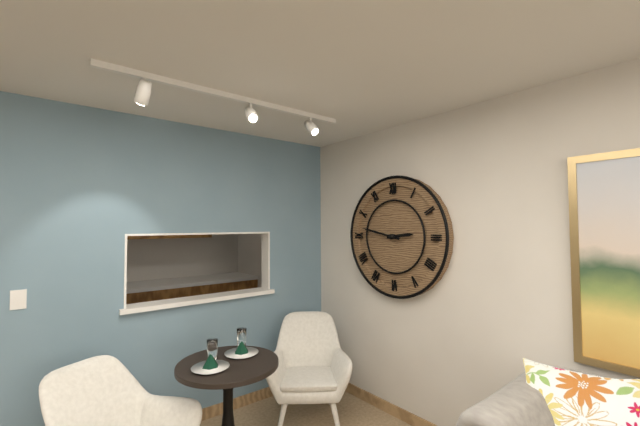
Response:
2,47
